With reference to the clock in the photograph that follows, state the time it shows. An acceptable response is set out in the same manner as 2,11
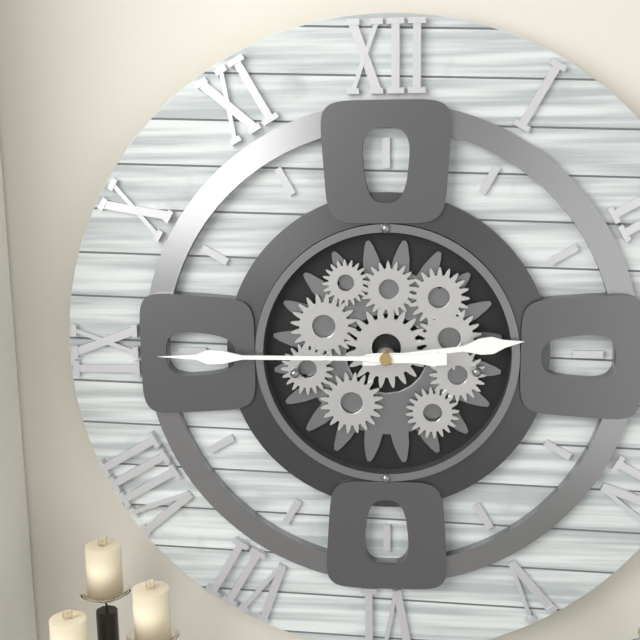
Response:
2,45
